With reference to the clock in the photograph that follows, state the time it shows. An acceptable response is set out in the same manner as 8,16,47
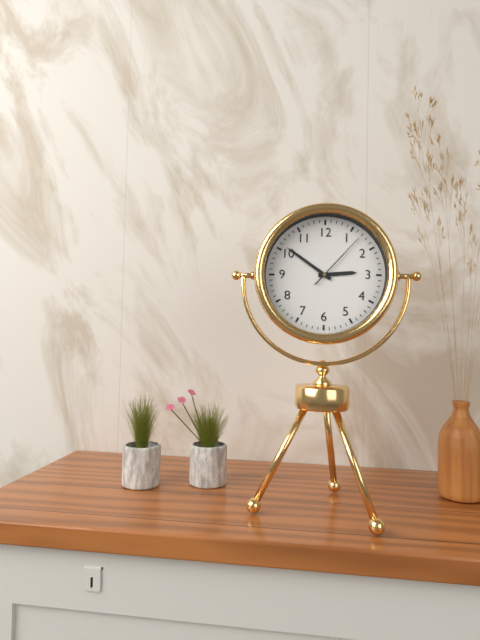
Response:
2,51,07
